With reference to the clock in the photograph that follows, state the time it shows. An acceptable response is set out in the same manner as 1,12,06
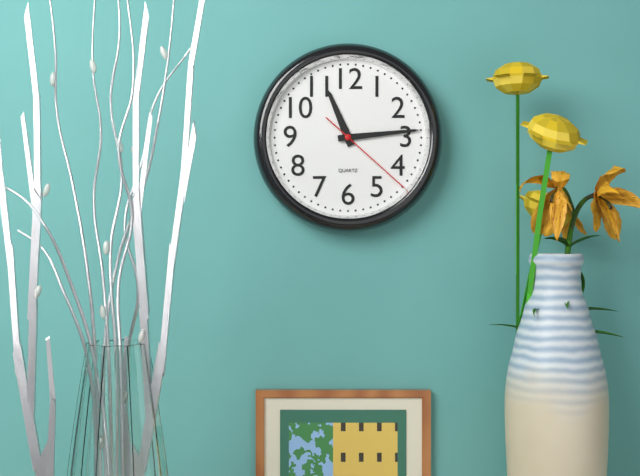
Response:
11,14,22
